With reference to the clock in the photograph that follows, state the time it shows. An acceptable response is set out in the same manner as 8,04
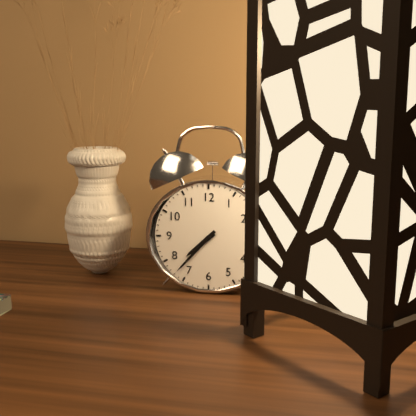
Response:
7,37
